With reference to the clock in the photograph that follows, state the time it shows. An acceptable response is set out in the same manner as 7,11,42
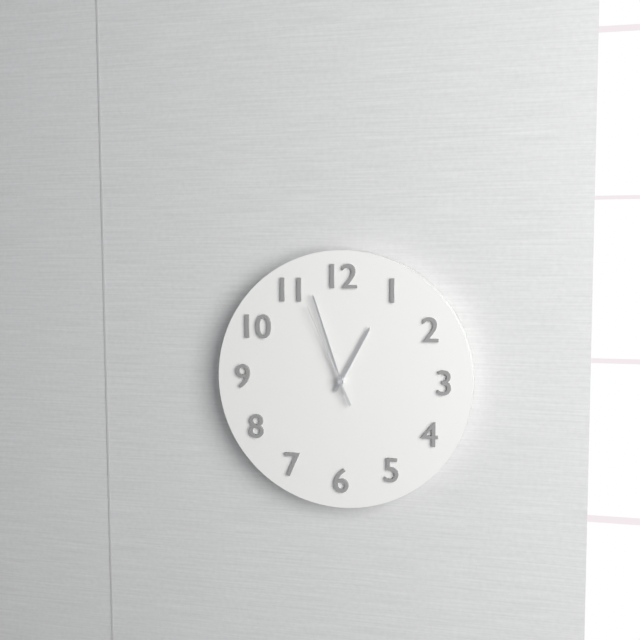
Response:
12,57,56
